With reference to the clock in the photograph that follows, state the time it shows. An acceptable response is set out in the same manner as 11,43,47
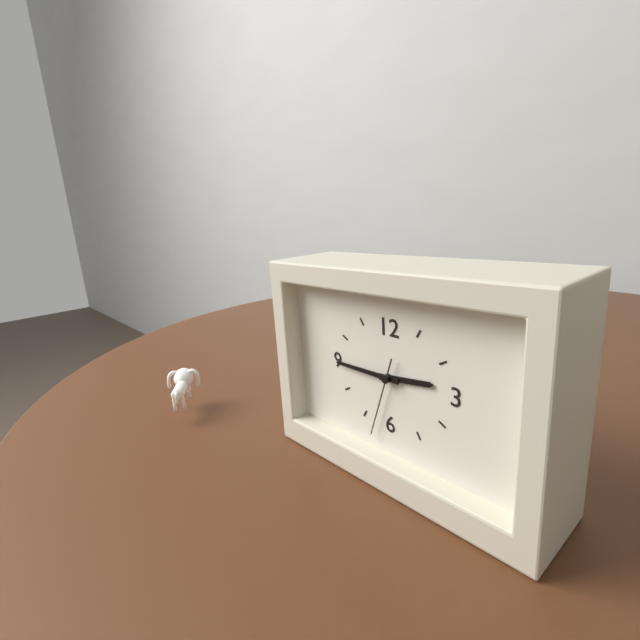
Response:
2,45,33
